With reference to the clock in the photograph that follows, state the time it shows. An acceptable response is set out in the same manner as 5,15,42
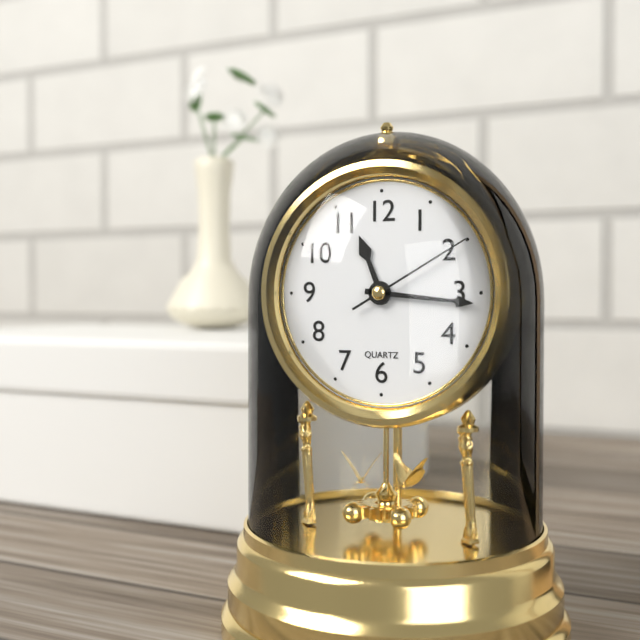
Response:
11,16,10
